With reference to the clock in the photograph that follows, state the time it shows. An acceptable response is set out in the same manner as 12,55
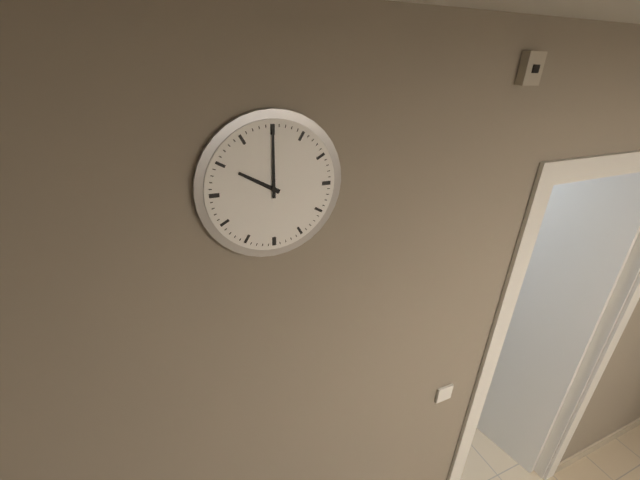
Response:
10,00
